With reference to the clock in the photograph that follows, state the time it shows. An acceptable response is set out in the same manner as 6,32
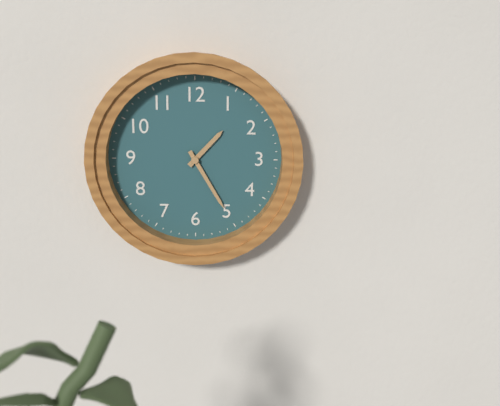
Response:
1,25
